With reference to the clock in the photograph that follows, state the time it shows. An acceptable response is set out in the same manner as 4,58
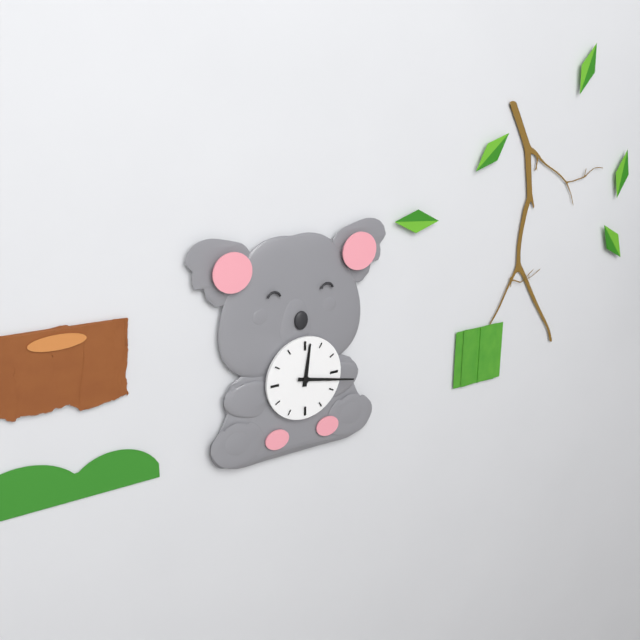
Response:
12,17
